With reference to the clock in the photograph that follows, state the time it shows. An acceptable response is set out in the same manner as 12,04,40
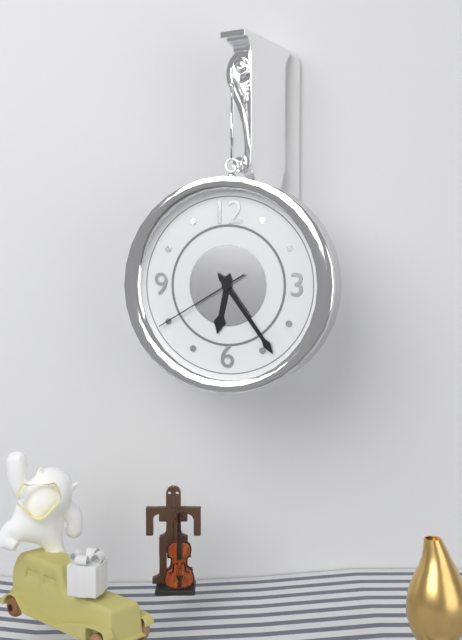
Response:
6,24,40
